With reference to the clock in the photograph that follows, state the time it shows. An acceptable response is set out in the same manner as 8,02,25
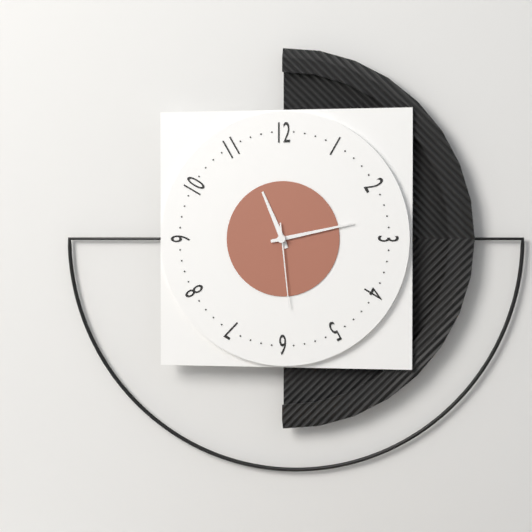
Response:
11,13,29
